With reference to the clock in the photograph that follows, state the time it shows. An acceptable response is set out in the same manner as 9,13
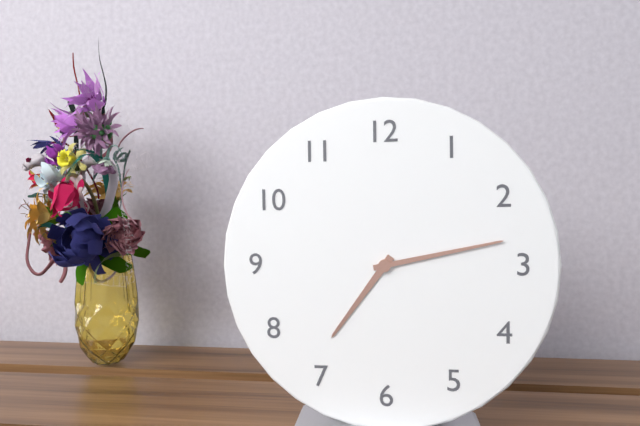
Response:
7,13
